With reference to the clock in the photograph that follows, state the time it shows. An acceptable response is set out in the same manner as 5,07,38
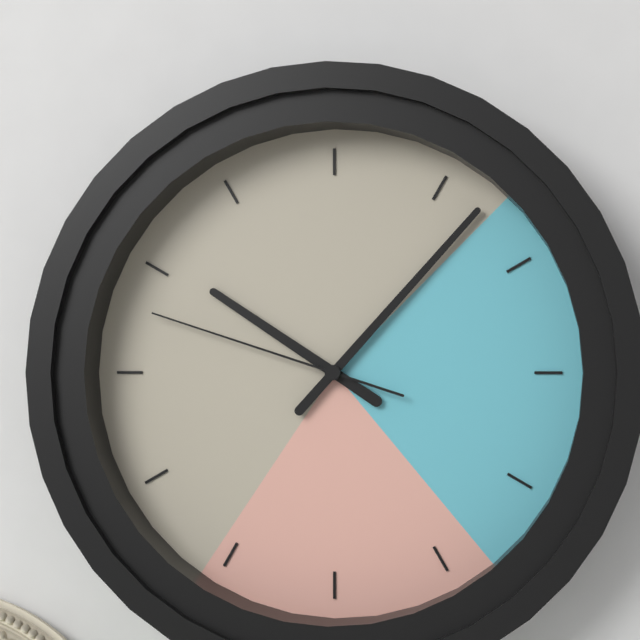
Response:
10,07,48
